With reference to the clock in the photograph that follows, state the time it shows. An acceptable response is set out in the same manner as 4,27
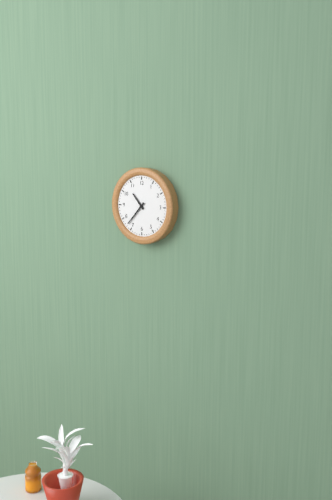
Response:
10,37
